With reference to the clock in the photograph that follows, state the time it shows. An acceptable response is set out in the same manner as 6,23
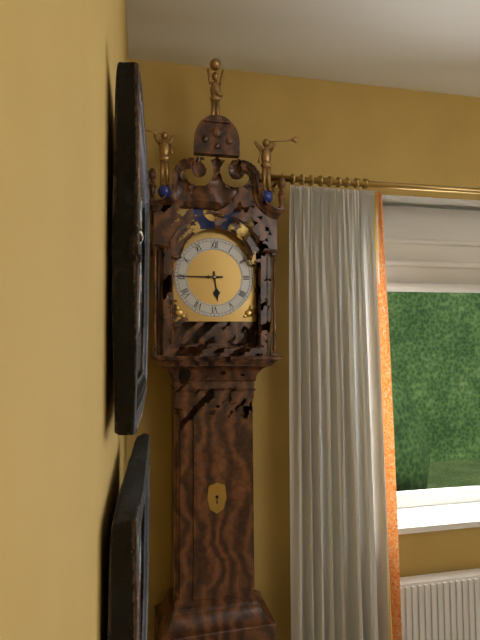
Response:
5,45
